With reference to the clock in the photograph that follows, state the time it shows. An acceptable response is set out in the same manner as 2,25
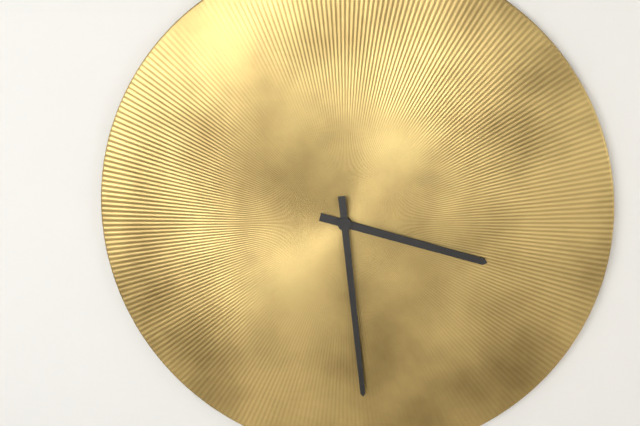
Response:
3,29
